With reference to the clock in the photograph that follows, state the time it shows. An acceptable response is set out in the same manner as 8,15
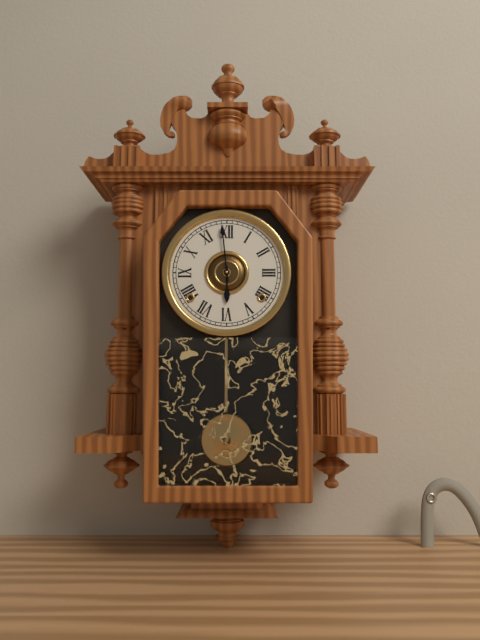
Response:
5,59
